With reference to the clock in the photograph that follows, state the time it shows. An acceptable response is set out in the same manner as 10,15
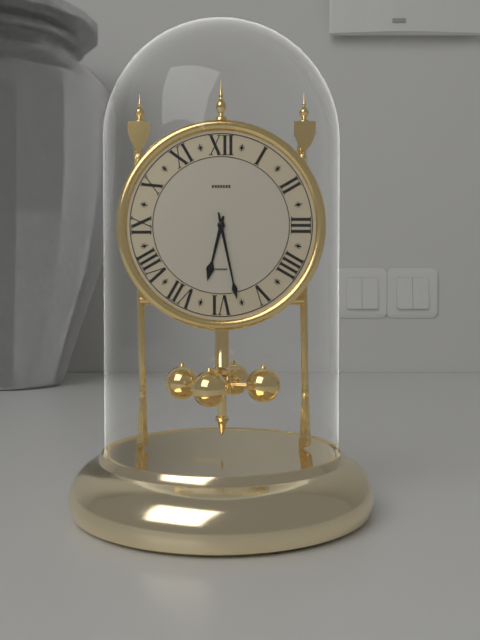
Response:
6,28
